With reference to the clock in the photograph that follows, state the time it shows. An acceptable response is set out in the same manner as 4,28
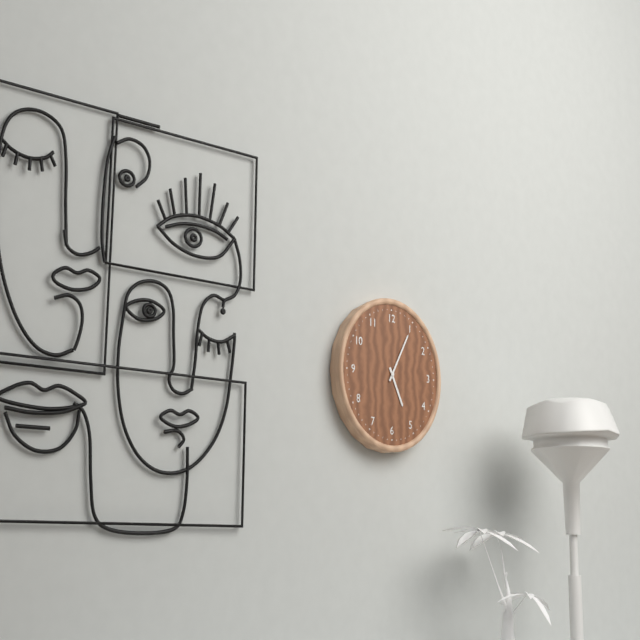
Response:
5,05
